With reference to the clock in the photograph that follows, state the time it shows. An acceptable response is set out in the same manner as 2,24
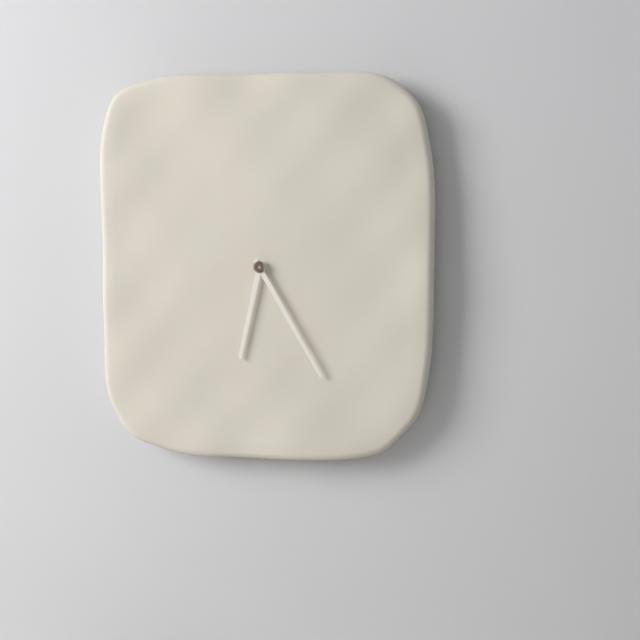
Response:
6,25
